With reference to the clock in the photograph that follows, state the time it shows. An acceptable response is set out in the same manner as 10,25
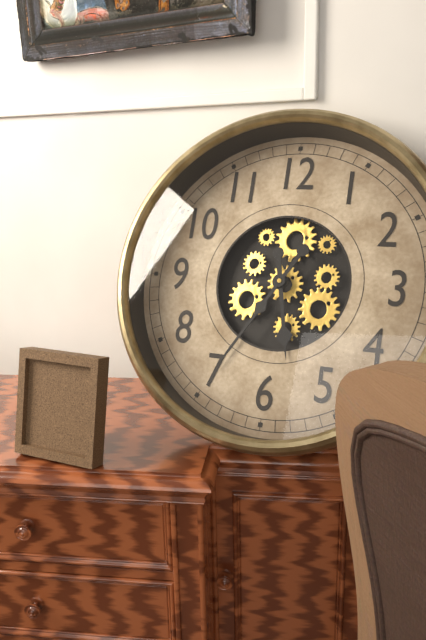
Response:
5,35
